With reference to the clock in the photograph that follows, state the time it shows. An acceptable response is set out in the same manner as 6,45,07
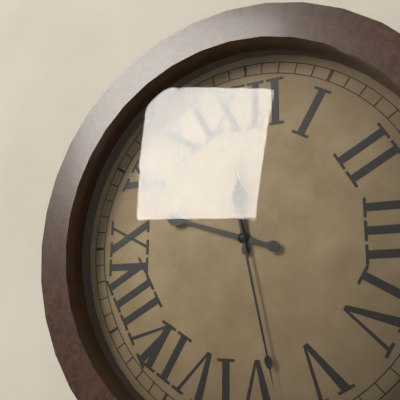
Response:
11,48,28
